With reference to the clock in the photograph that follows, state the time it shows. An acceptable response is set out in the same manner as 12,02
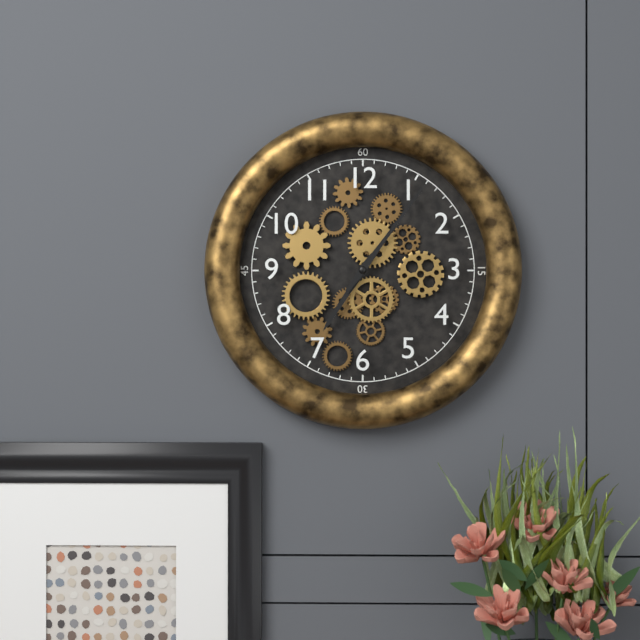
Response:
7,06
